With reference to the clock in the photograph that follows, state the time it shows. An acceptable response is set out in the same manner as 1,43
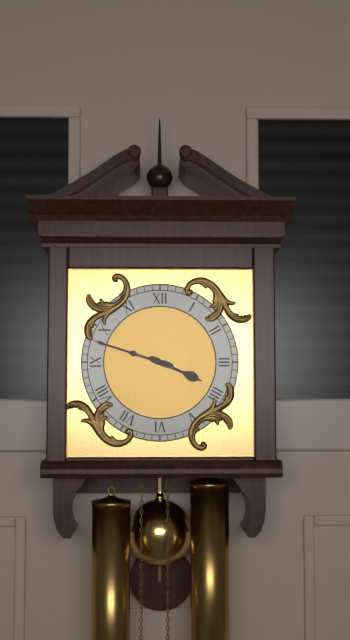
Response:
3,48
